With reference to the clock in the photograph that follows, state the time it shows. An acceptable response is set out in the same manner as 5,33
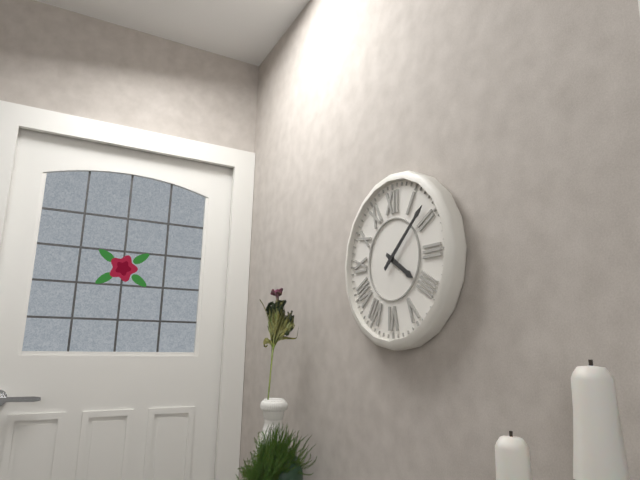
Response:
4,08
